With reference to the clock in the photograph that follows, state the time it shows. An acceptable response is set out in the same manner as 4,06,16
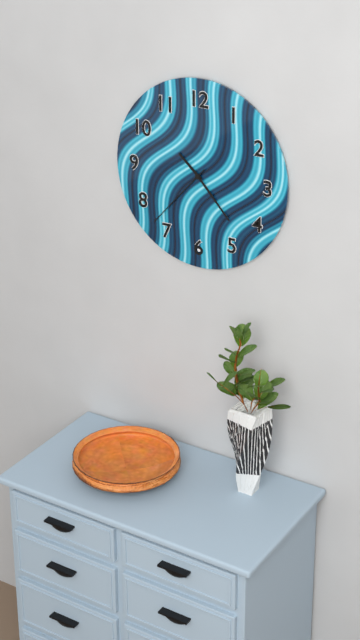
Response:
10,23,37
